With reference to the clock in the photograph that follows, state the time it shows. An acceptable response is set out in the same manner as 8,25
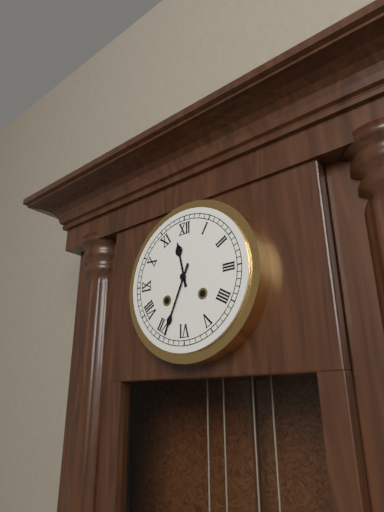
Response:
11,34
